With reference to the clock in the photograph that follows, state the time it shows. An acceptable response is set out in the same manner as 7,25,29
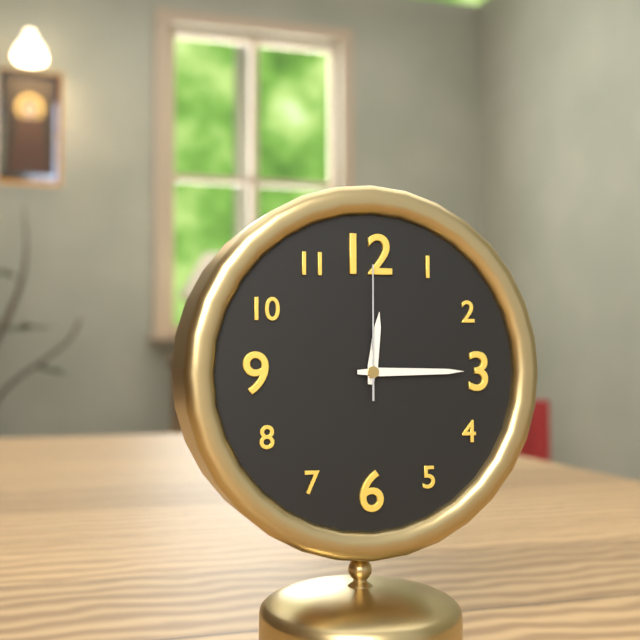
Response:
12,15,00
